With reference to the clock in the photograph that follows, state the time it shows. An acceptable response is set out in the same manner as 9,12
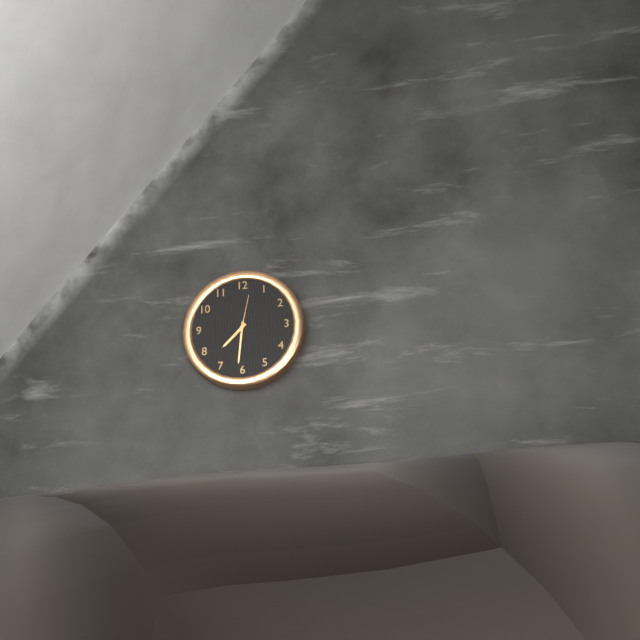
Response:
7,31
